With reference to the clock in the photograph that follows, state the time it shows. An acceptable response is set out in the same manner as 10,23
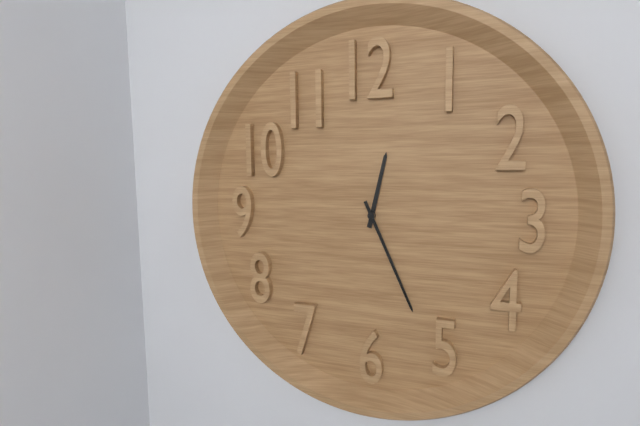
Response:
12,26
